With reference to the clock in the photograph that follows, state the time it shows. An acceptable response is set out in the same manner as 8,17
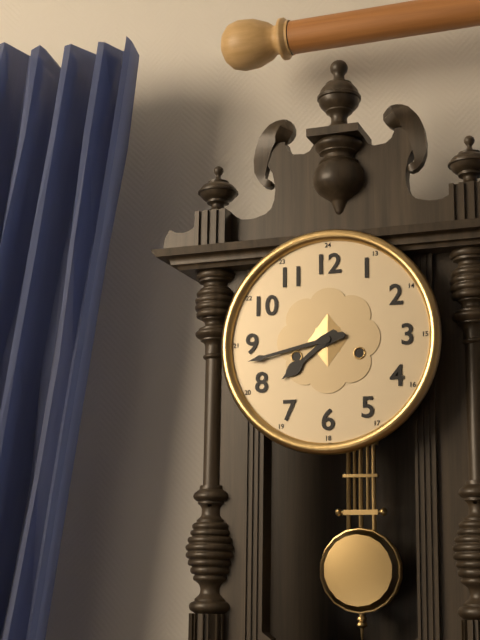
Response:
7,43
